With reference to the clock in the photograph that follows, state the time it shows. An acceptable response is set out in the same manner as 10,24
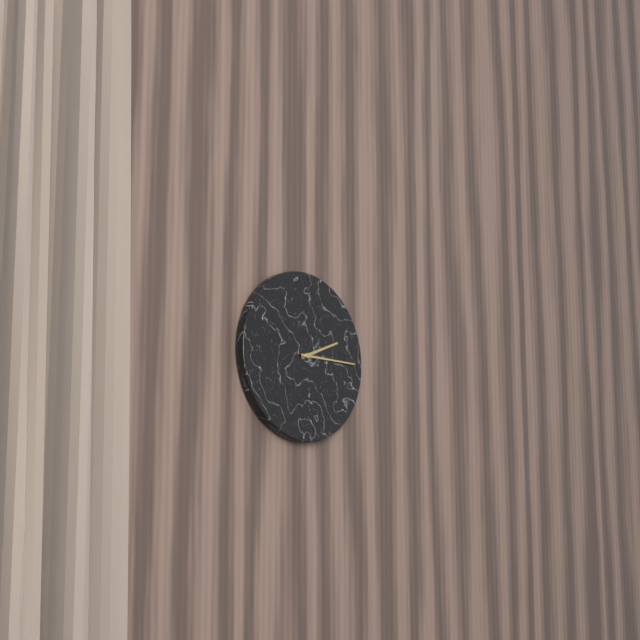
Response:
2,15
